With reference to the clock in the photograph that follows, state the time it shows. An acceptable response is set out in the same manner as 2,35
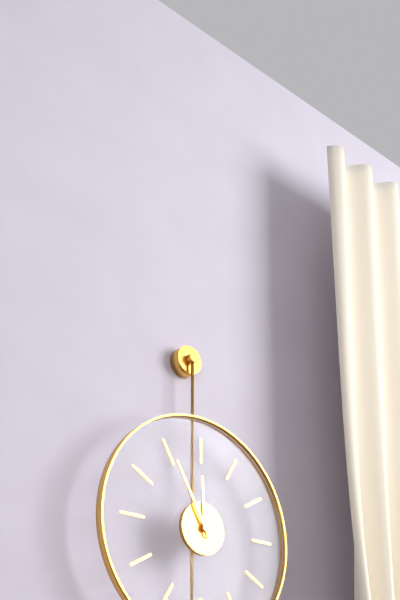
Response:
11,55
